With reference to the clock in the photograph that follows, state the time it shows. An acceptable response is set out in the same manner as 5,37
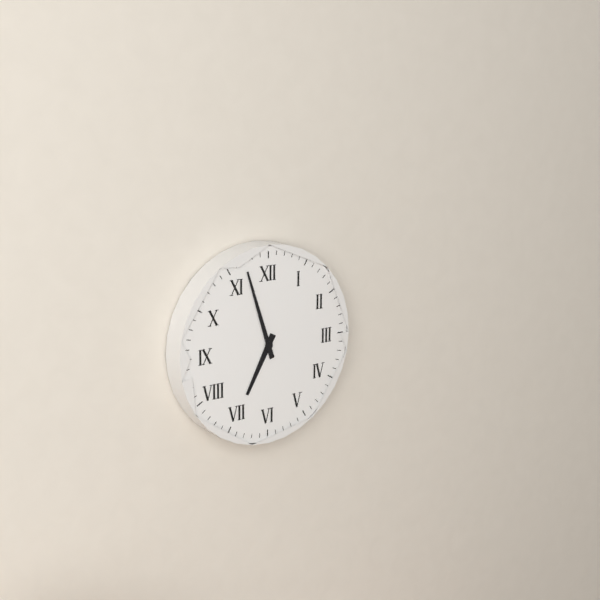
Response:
6,57
